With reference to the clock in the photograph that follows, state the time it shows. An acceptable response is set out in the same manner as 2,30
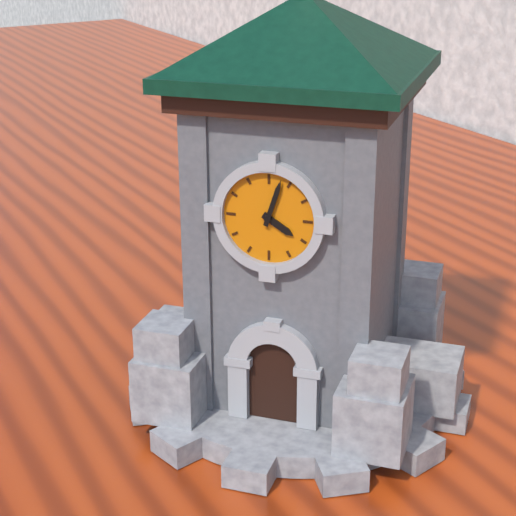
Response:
4,03
